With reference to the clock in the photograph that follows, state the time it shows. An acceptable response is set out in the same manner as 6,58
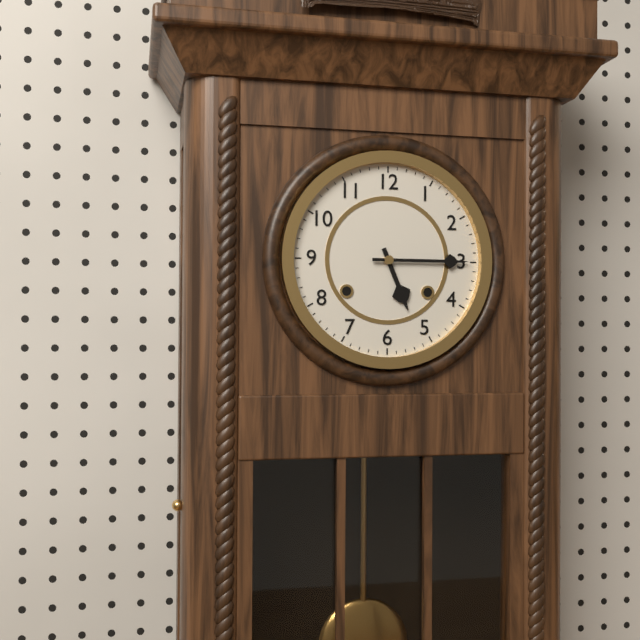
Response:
5,15
